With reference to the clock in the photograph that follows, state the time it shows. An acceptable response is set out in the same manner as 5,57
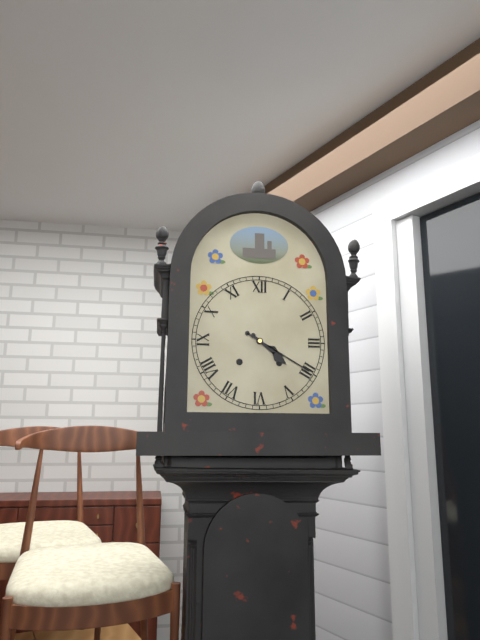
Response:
4,20
